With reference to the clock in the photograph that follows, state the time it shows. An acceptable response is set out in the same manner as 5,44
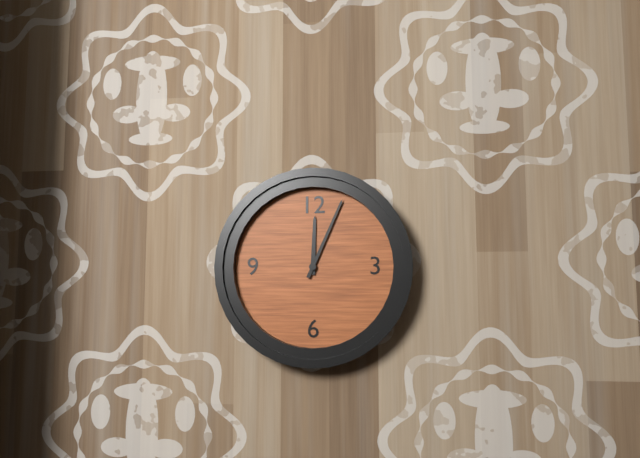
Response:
12,04
